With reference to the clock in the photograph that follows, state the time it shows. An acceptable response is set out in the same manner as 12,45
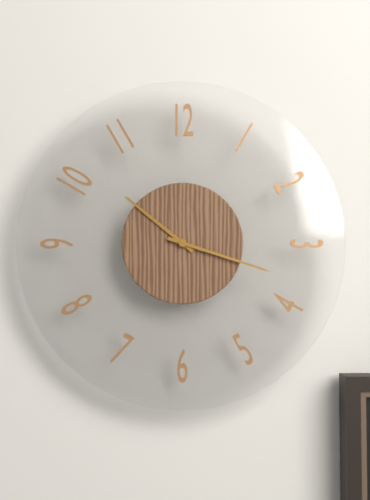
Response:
10,18
